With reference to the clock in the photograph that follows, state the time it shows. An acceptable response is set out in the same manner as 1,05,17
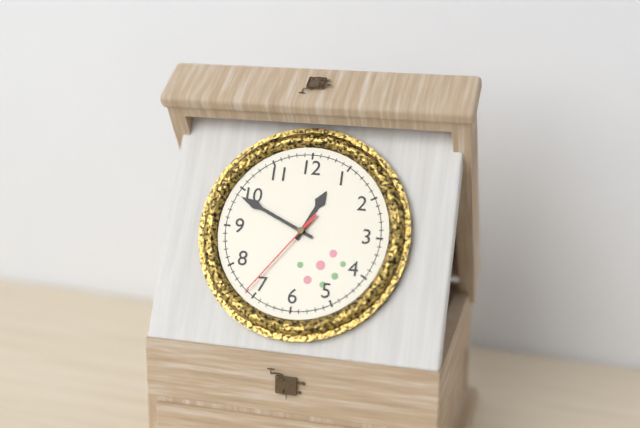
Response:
12,49,36
